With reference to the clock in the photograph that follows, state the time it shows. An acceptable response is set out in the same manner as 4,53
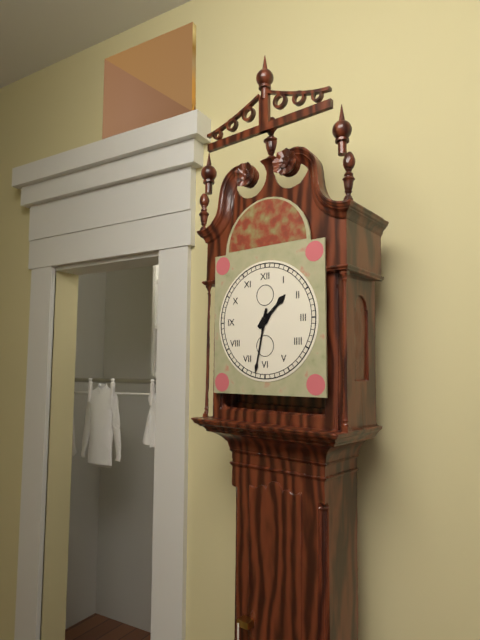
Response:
1,32
